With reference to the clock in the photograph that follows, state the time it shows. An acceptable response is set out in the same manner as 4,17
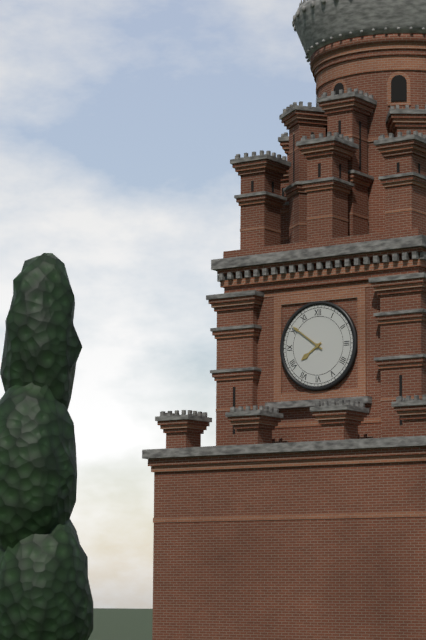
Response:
7,51
